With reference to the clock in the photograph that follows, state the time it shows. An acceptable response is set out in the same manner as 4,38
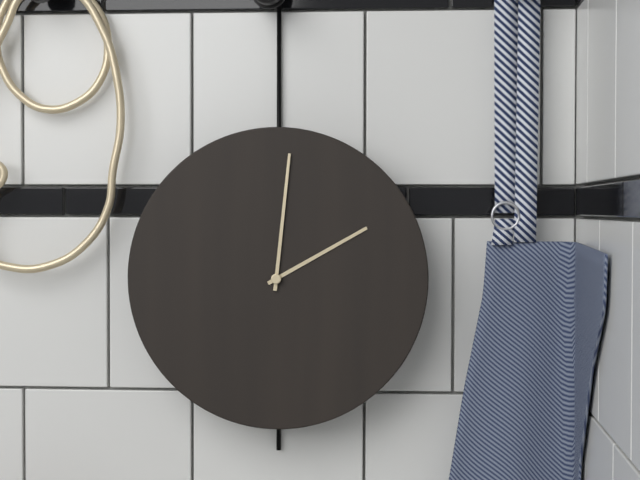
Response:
2,01
